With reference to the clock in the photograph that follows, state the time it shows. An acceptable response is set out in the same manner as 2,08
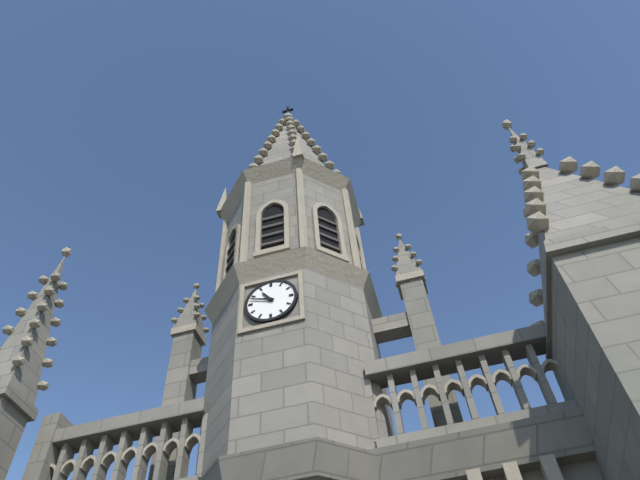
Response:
10,48
